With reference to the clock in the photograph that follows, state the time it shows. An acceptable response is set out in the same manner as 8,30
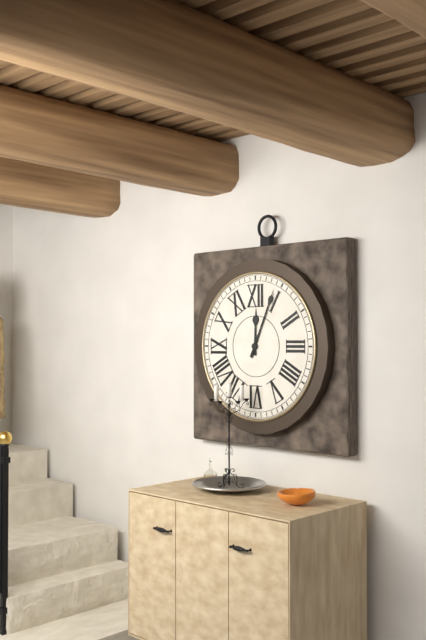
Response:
12,04
